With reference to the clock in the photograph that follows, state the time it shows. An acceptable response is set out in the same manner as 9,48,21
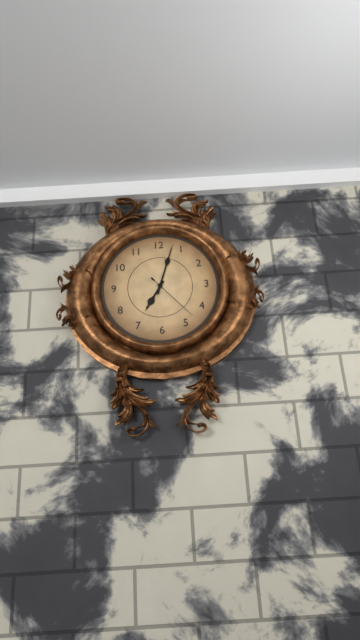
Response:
7,03,23
